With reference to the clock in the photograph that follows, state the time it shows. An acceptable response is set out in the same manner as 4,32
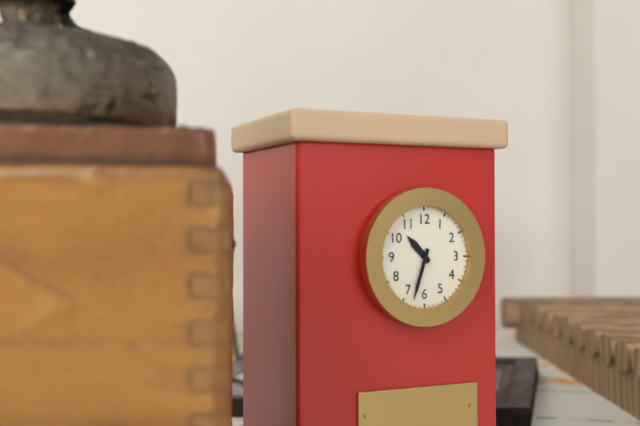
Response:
10,33
